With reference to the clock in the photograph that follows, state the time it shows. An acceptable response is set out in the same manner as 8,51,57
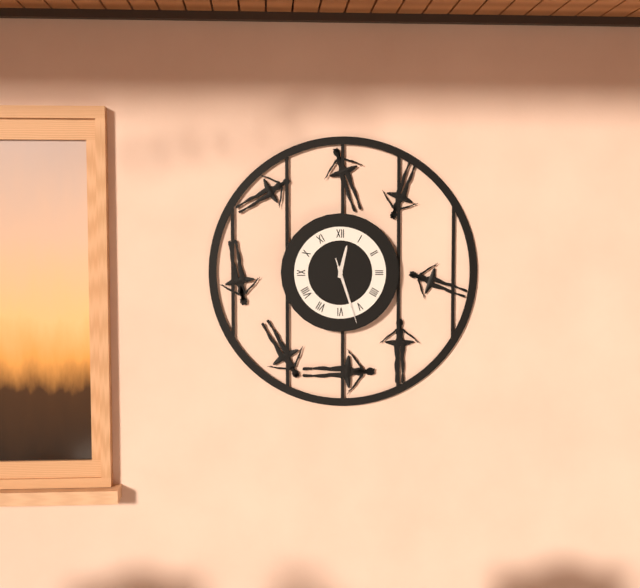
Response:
12,27,27
